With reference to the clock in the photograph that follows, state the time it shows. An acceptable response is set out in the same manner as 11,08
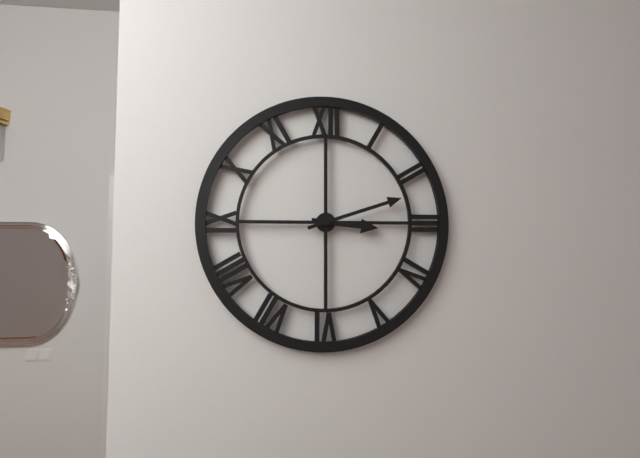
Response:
3,12
